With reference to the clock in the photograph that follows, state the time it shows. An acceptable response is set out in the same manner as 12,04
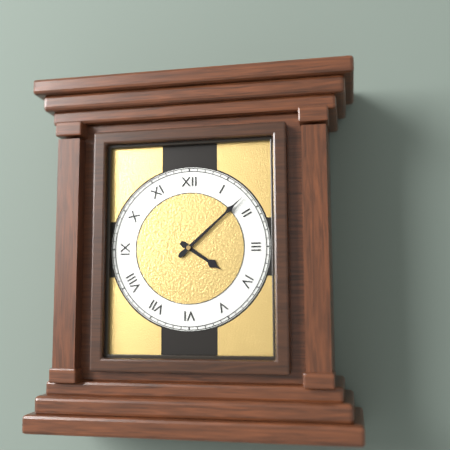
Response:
4,08
